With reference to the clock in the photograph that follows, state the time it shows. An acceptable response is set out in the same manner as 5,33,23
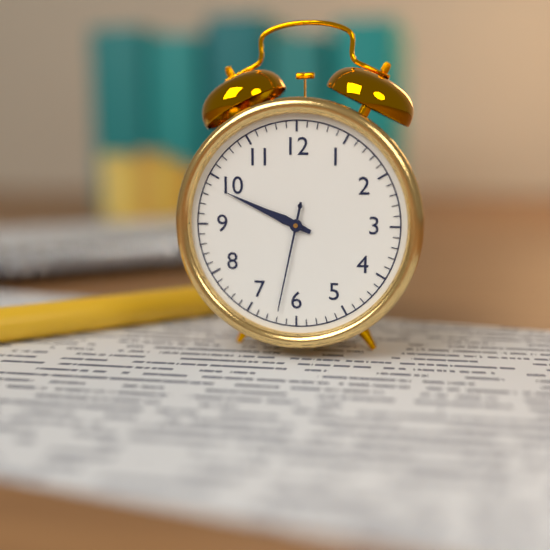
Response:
9,49,32
